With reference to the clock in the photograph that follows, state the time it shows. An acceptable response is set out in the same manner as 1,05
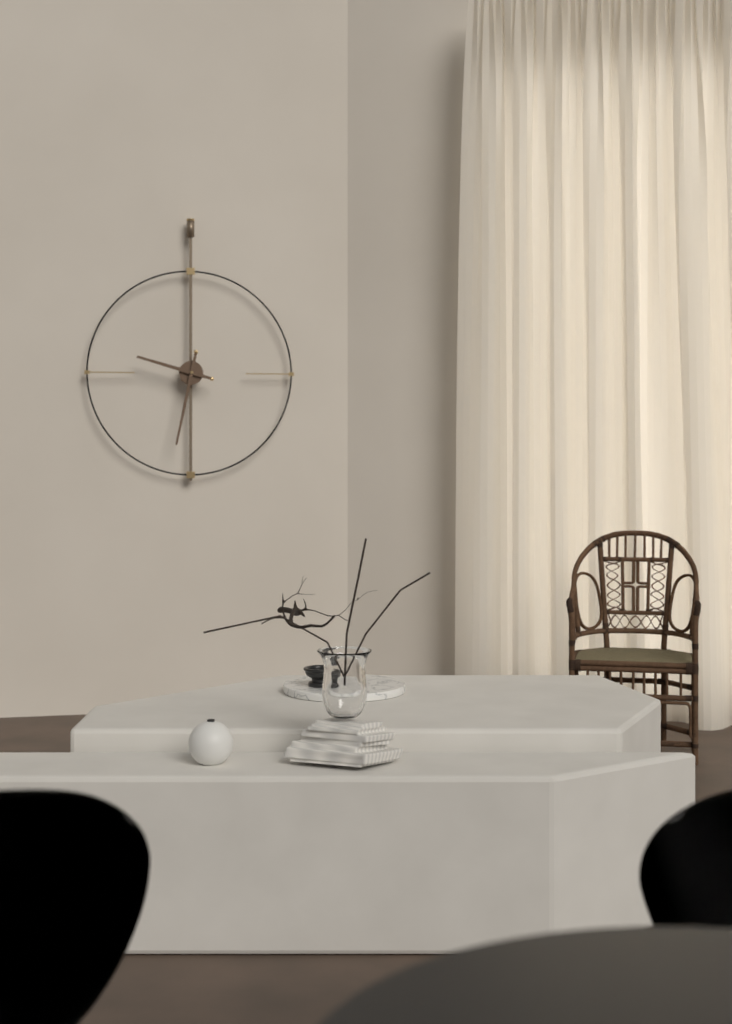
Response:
9,32
